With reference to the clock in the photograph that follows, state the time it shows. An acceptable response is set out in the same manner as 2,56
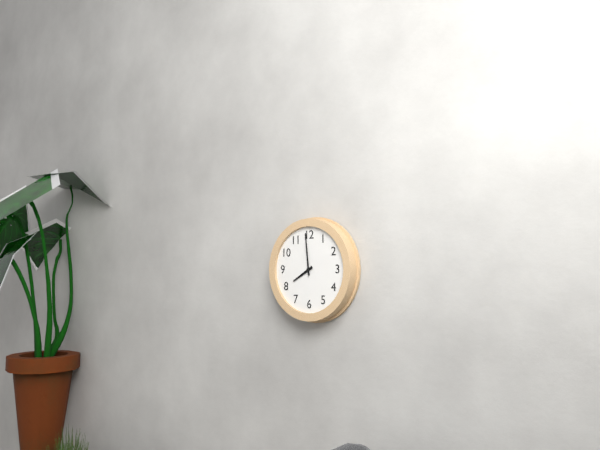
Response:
7,59
